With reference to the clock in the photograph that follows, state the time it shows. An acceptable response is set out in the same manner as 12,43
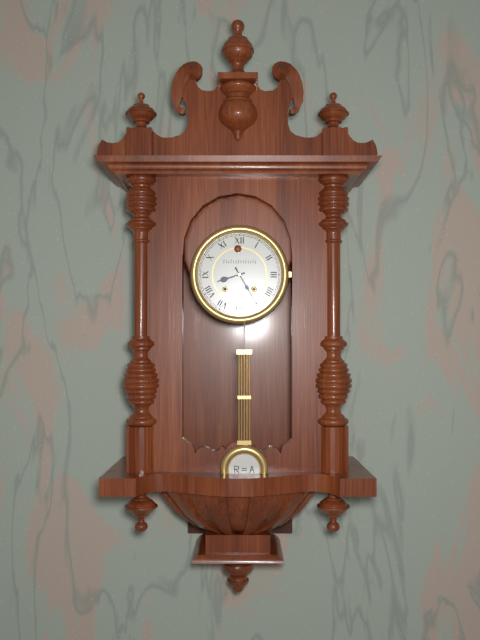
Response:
8,25
